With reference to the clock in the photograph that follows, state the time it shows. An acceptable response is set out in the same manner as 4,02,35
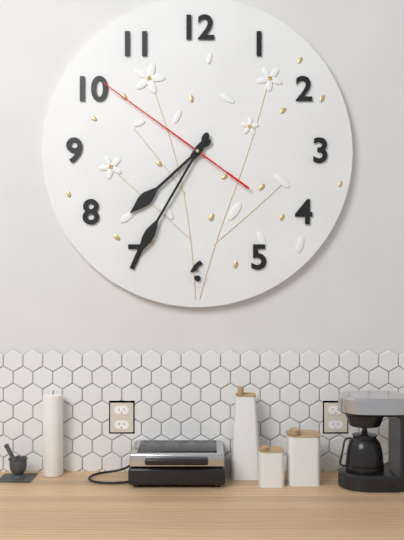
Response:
7,35,51
